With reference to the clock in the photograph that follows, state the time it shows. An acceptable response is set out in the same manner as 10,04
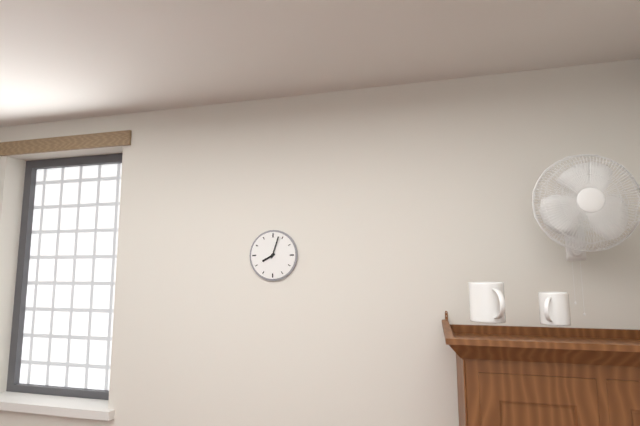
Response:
8,03
